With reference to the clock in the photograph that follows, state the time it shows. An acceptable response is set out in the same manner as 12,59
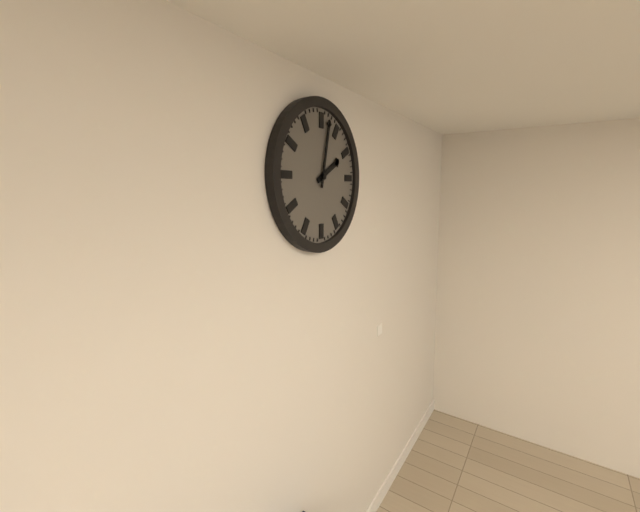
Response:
2,02
